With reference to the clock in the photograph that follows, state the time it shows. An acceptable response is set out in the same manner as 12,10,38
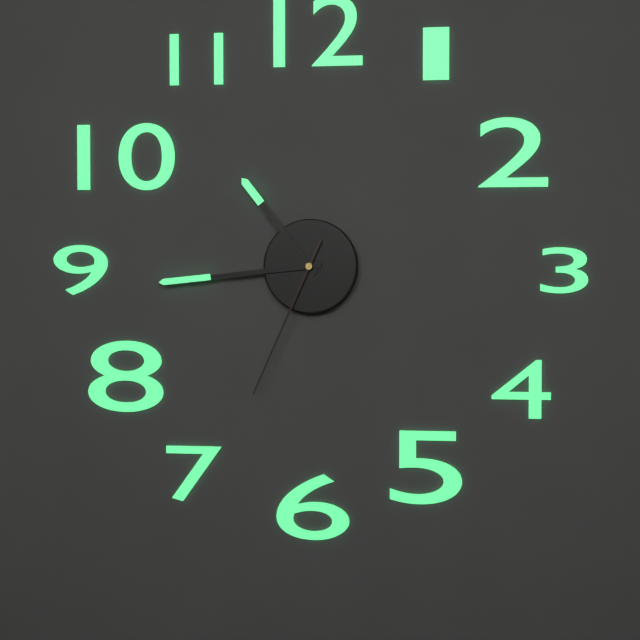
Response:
10,44,34
